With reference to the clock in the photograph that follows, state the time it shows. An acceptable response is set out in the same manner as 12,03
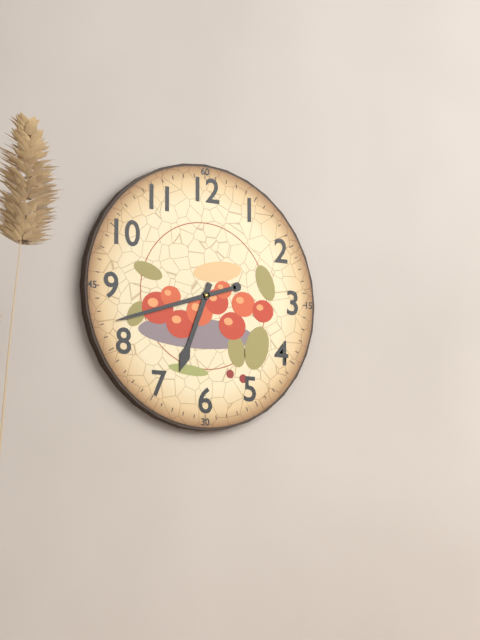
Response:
6,42
